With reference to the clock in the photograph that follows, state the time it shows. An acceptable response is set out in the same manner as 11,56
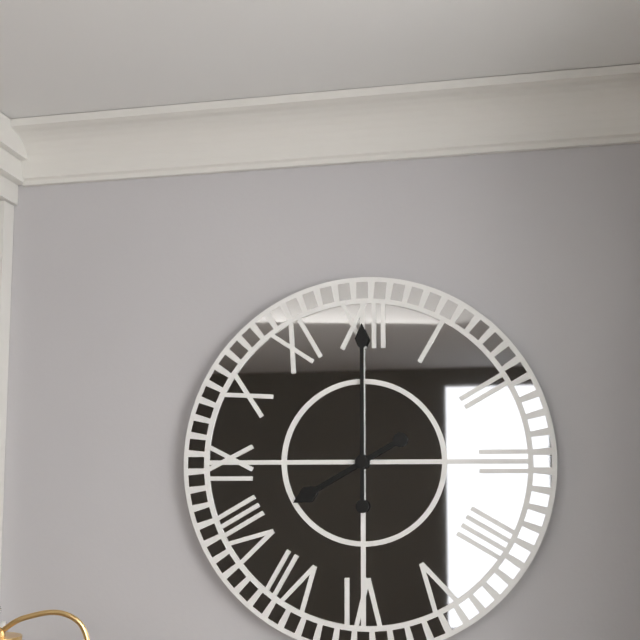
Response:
8,00
